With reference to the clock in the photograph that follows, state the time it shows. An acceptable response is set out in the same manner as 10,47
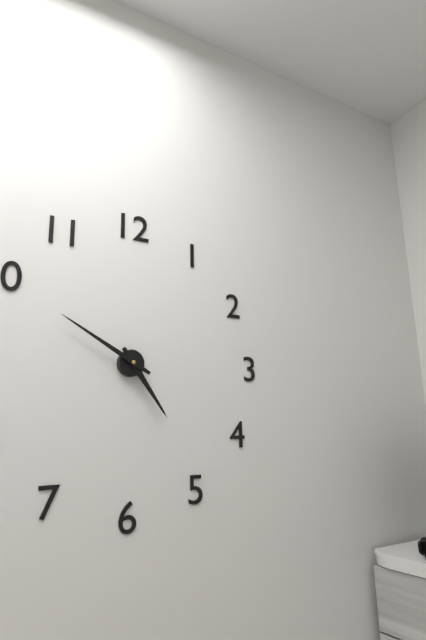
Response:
4,50
